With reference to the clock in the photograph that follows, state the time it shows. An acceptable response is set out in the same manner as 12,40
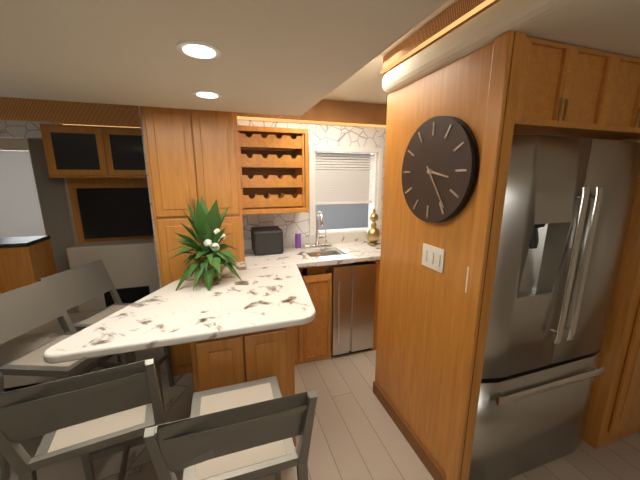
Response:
3,24
